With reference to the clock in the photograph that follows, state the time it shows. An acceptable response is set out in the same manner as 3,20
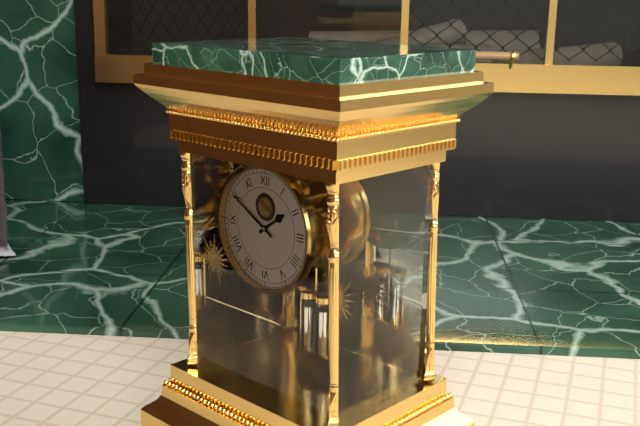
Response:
1,50
